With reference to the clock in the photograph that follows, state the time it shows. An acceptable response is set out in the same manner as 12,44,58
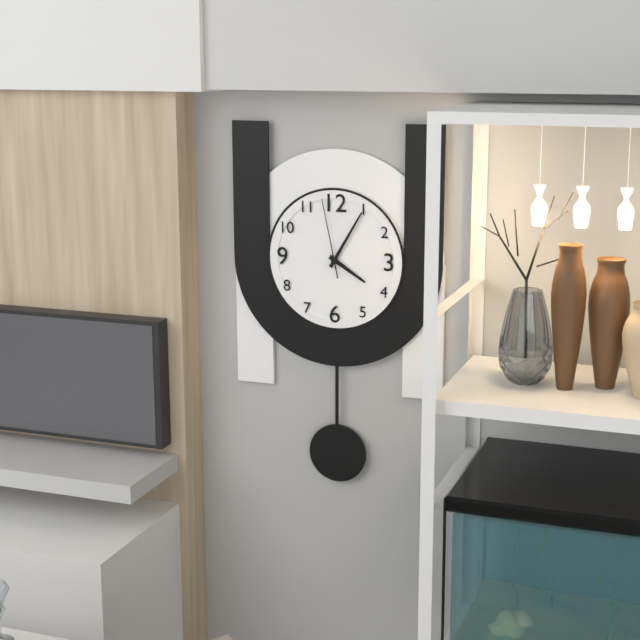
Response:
4,05,58
